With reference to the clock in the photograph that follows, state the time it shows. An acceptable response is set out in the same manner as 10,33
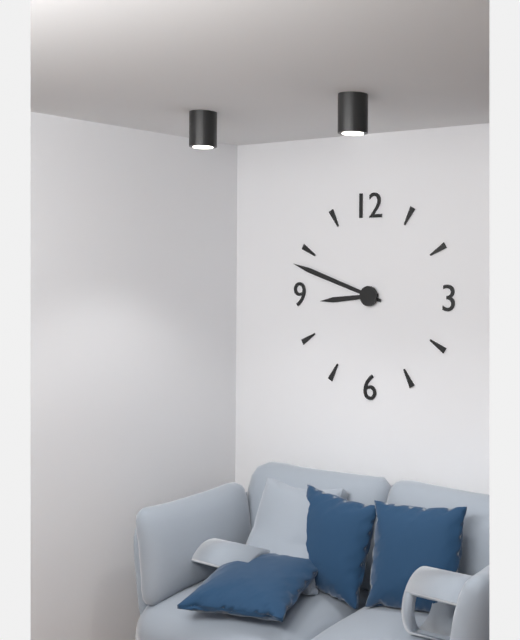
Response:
8,48
